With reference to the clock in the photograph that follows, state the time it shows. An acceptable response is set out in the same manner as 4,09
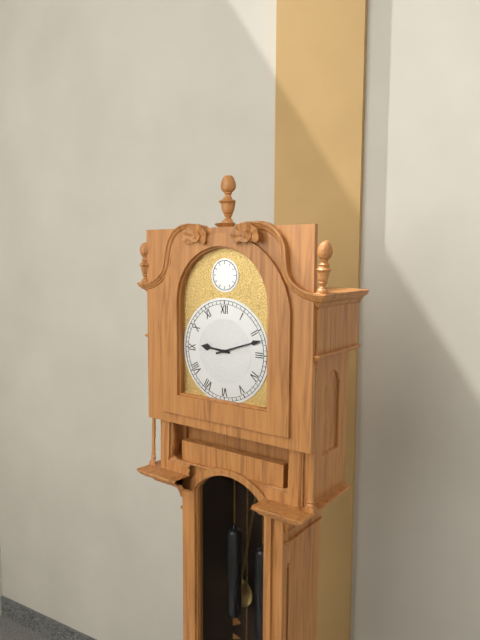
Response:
9,12
